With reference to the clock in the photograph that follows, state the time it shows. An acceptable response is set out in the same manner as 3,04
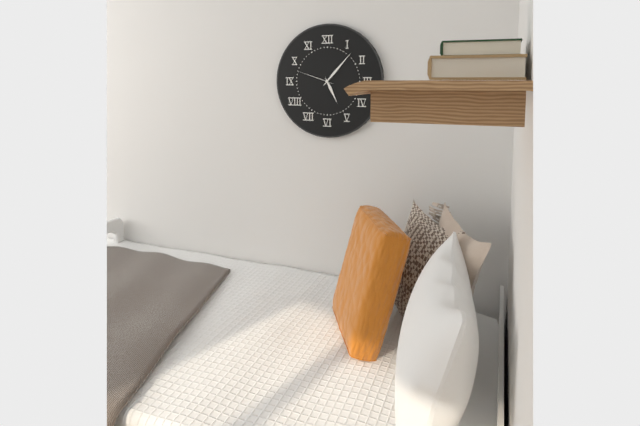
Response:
5,07
